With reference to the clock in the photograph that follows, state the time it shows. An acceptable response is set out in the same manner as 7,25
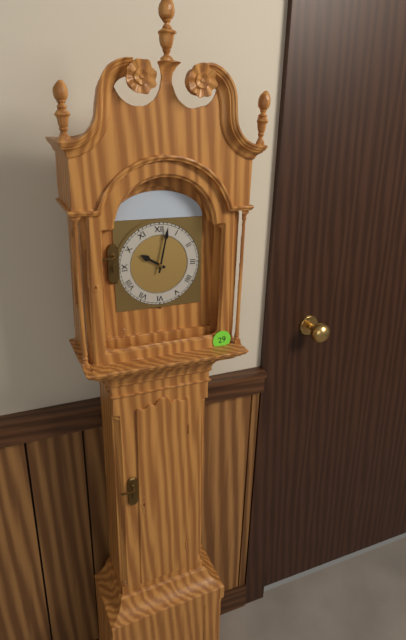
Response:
10,02
